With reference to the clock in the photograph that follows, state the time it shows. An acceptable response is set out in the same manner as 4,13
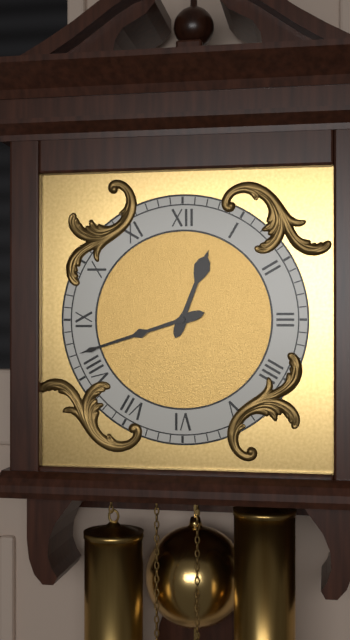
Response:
12,42
